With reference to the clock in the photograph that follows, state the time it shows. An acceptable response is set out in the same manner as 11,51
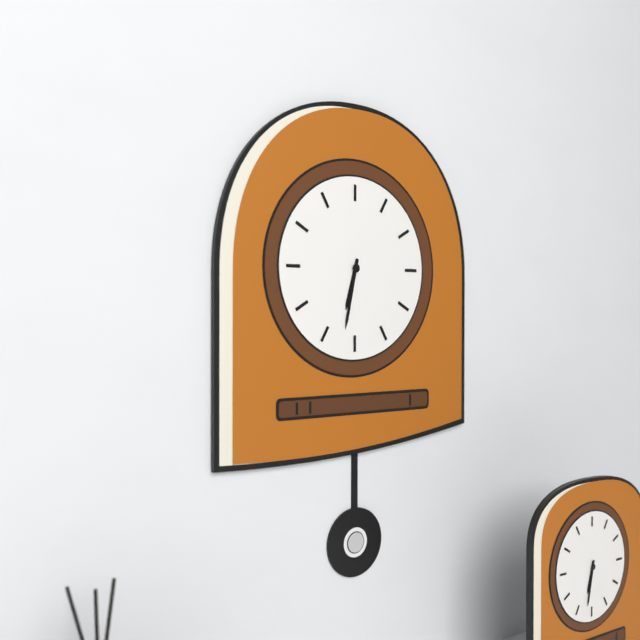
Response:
6,32
